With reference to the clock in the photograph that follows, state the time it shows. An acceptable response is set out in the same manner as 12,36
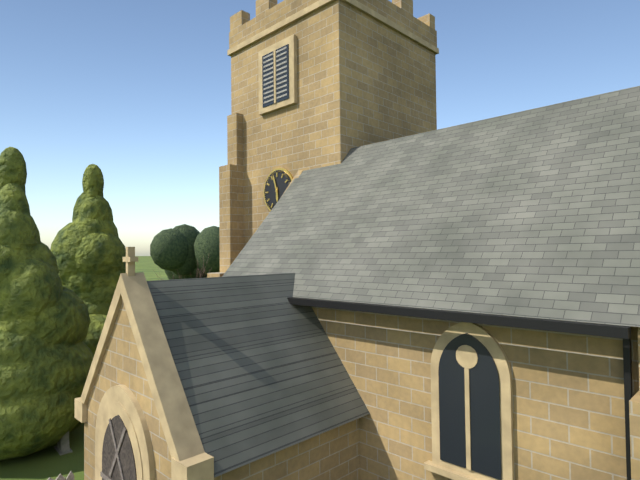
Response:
5,57
